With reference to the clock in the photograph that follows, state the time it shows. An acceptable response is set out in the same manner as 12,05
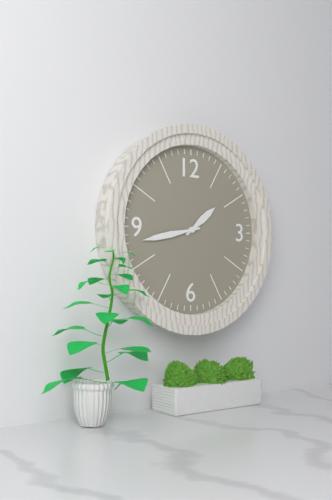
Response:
1,43
